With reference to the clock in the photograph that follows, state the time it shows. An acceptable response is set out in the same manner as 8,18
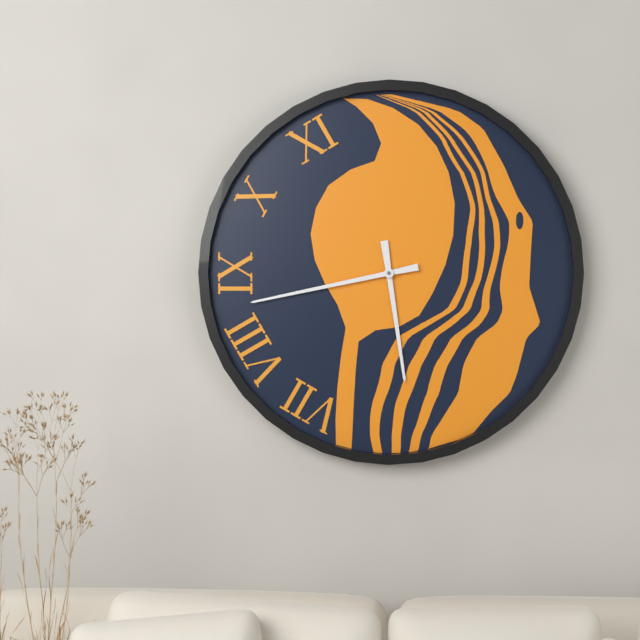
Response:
5,43
